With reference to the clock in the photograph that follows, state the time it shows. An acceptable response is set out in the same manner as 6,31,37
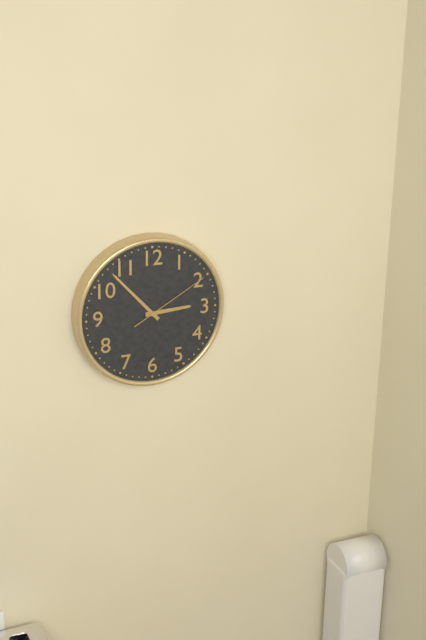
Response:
2,53,10
